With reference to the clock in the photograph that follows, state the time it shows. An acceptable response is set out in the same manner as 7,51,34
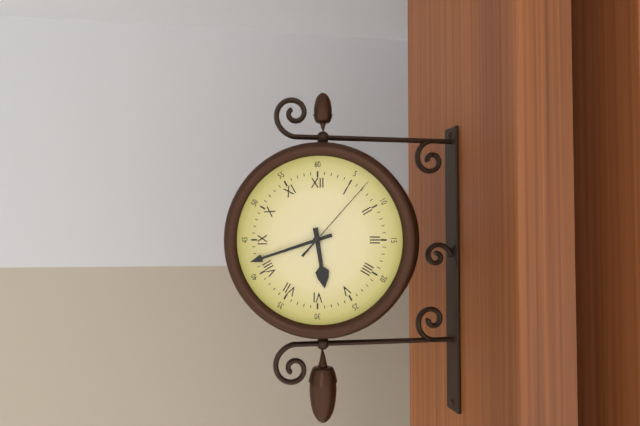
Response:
5,42,07
